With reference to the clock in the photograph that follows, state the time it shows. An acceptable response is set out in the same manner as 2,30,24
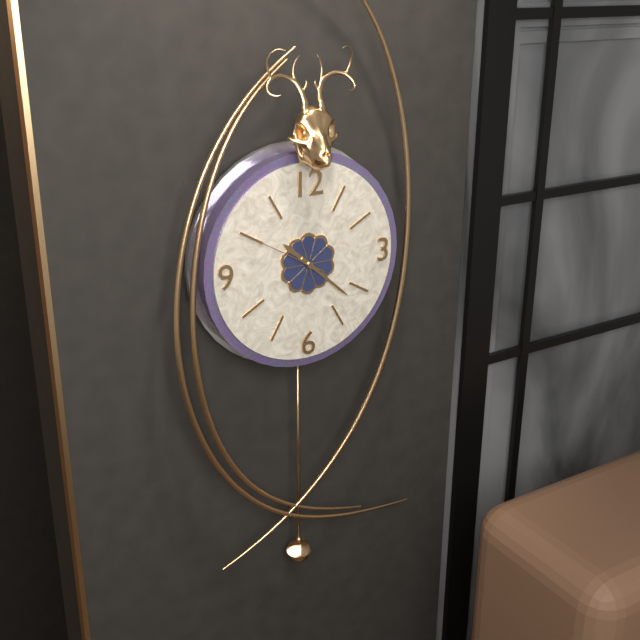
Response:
10,22,50
